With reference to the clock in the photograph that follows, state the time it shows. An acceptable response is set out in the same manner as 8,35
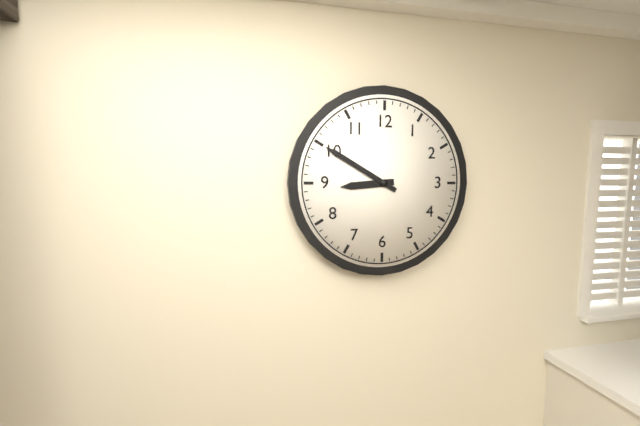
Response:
8,50
